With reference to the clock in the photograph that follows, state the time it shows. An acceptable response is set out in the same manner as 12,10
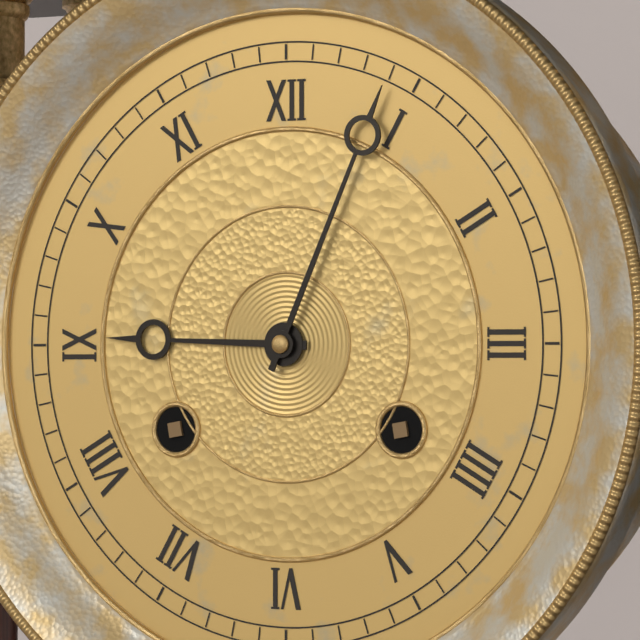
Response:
9,04
